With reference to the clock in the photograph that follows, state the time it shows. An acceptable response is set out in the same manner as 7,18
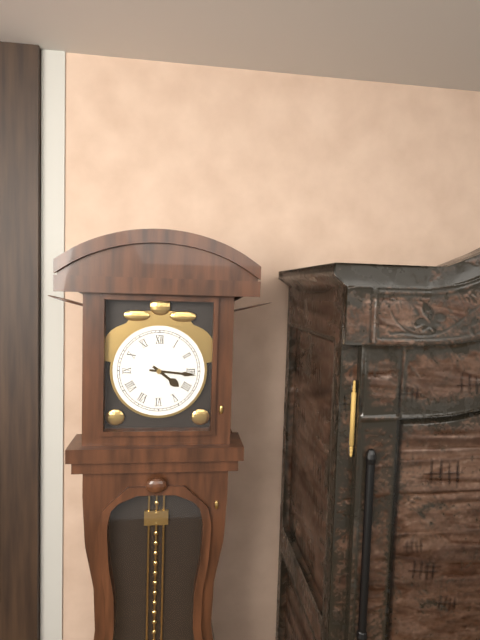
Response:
4,16
